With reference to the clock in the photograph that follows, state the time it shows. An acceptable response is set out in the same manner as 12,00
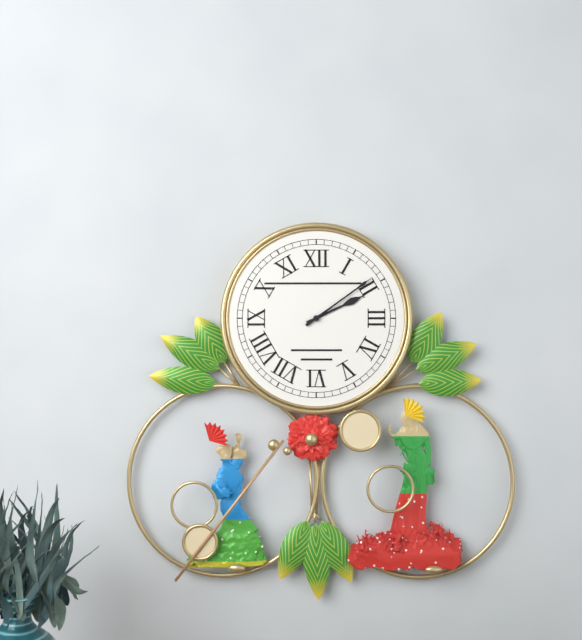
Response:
2,09
